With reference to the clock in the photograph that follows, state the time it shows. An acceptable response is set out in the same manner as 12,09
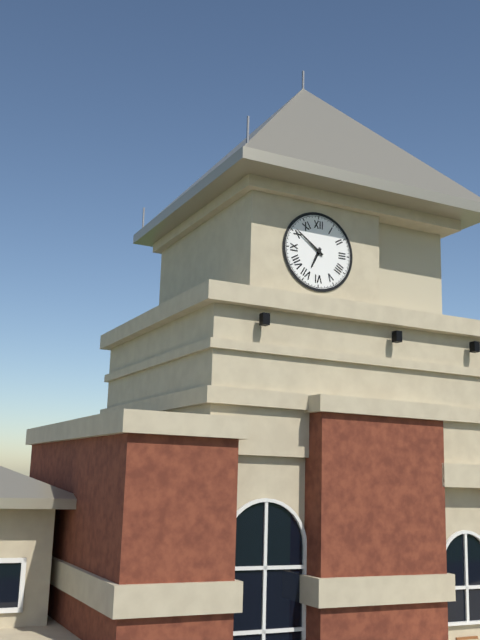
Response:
6,51
